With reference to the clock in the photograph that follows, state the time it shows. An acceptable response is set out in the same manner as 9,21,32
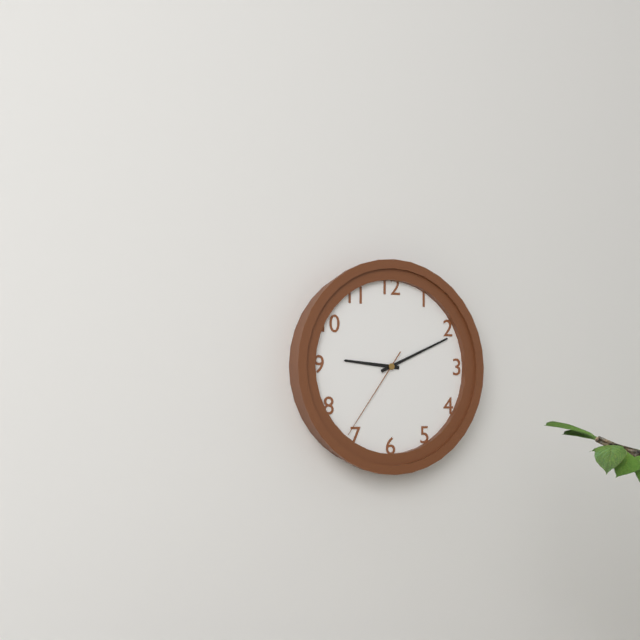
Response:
9,11,36
